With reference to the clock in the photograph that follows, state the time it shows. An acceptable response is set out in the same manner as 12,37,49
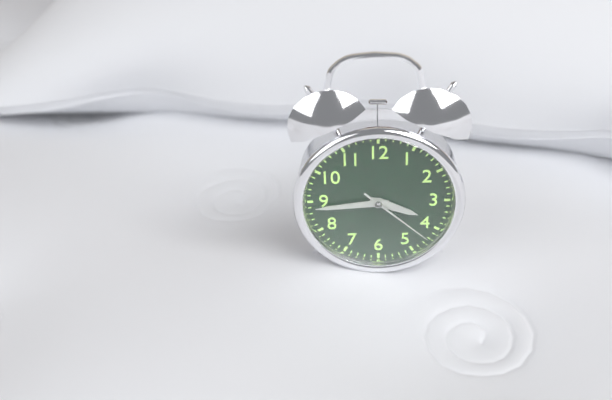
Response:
3,44,22
